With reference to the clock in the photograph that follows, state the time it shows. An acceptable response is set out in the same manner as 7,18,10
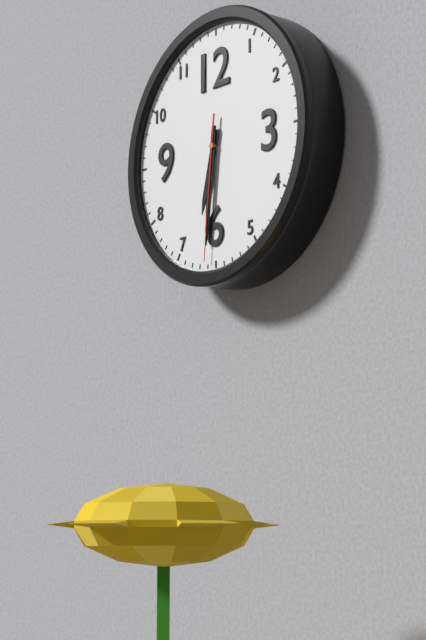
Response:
6,31,31
